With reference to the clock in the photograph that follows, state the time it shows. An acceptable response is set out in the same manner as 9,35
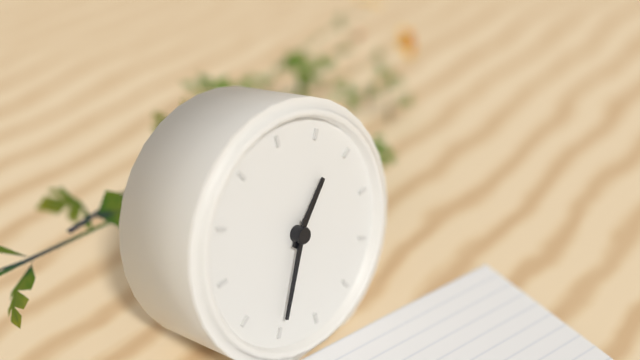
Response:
1,35
